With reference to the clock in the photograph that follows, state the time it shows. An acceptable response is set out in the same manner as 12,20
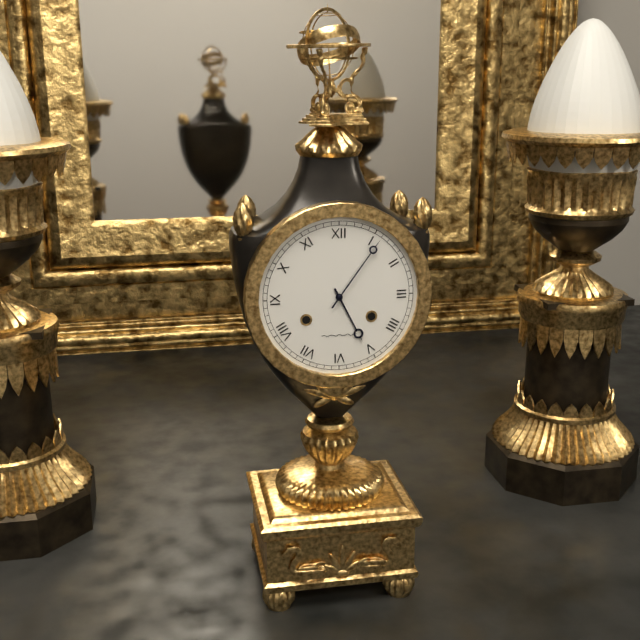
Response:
5,06
